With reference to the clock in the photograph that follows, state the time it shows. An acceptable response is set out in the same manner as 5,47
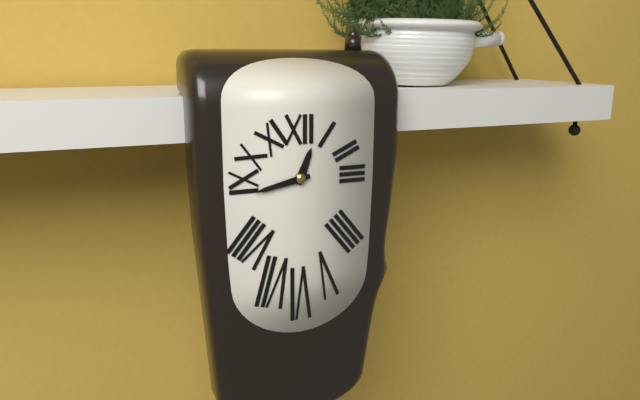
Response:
12,43
